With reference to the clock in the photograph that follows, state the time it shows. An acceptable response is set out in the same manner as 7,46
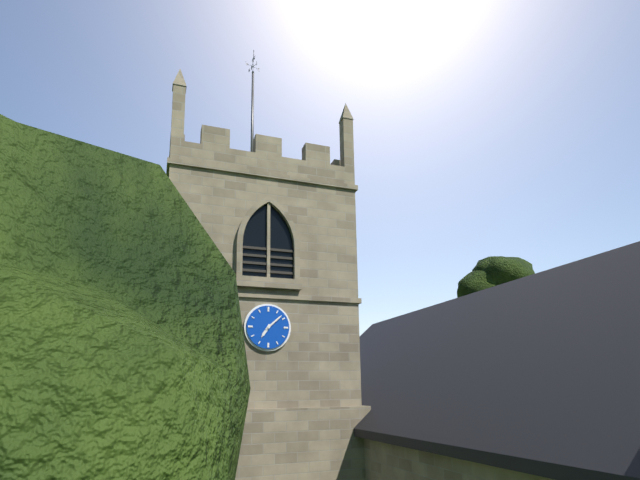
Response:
7,08
